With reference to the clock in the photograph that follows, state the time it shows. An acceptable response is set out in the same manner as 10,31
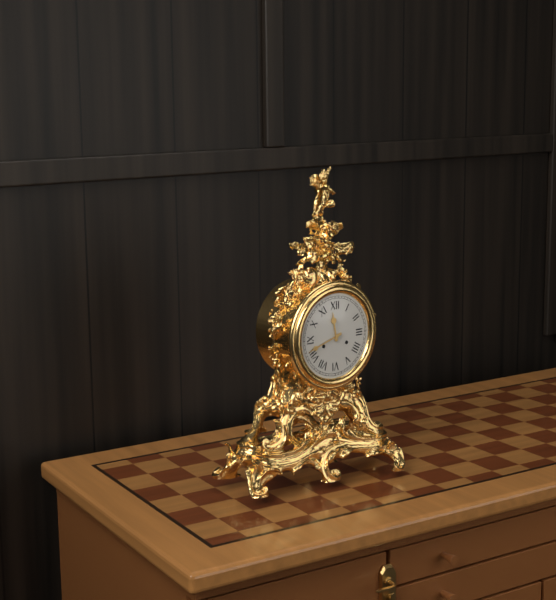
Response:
11,42
